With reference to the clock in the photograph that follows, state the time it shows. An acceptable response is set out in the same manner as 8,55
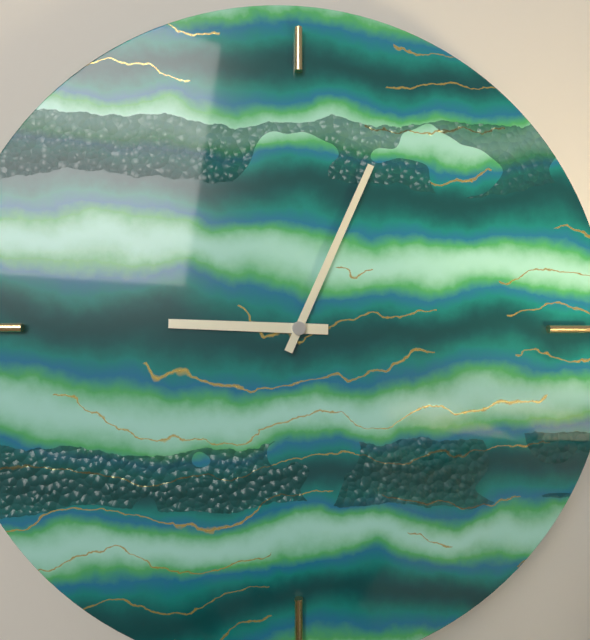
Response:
9,04
